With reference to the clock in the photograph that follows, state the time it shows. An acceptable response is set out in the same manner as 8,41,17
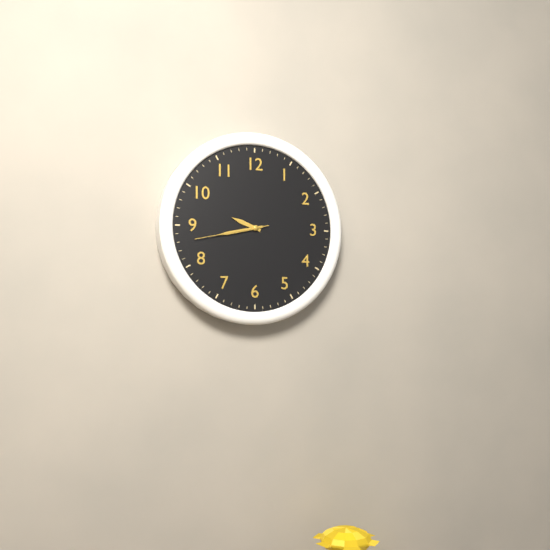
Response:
9,43,43
